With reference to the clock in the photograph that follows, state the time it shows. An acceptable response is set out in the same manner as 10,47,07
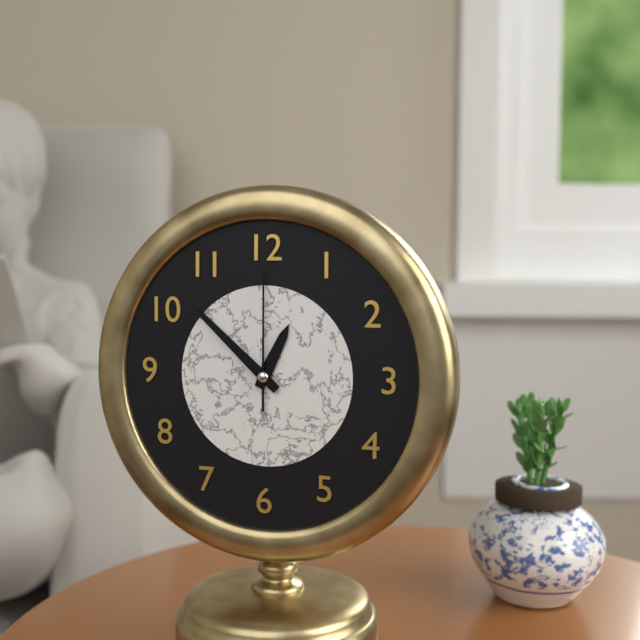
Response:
12,52,00
